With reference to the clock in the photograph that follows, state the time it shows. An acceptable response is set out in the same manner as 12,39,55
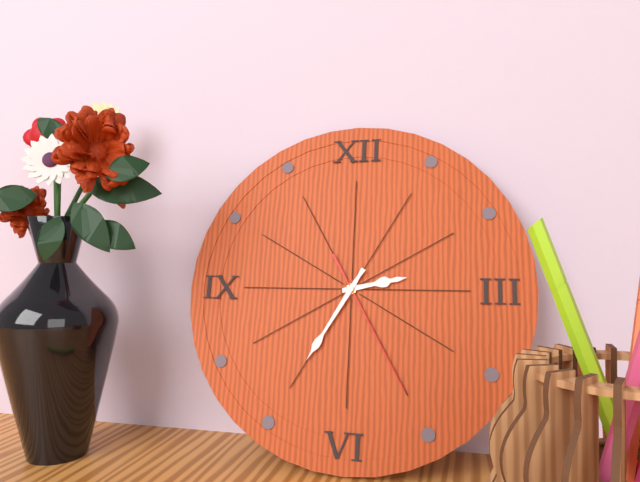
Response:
2,35,25
